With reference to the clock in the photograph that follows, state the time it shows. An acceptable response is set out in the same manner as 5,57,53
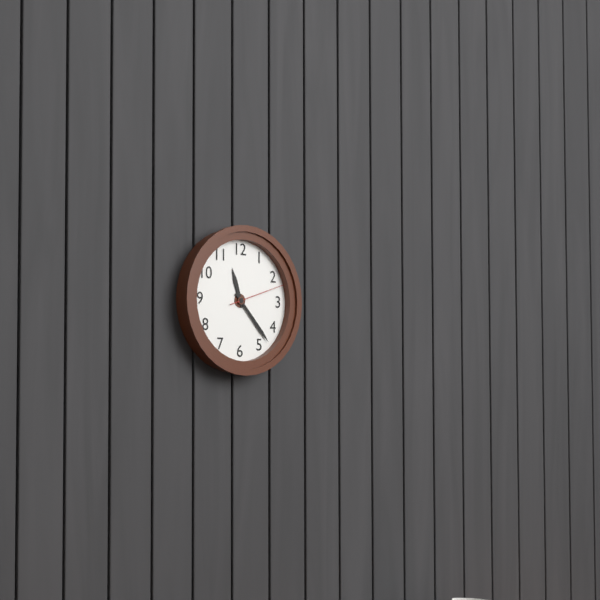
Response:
11,23,12
